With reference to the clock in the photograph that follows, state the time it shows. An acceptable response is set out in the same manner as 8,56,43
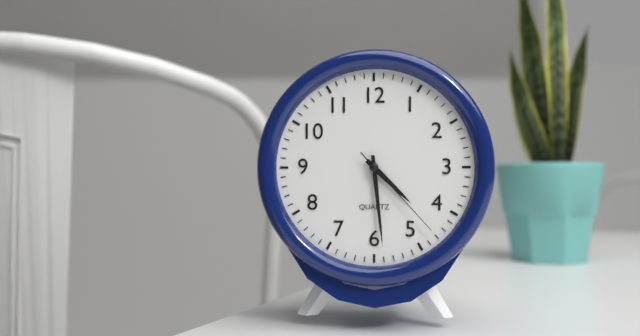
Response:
4,29,23
